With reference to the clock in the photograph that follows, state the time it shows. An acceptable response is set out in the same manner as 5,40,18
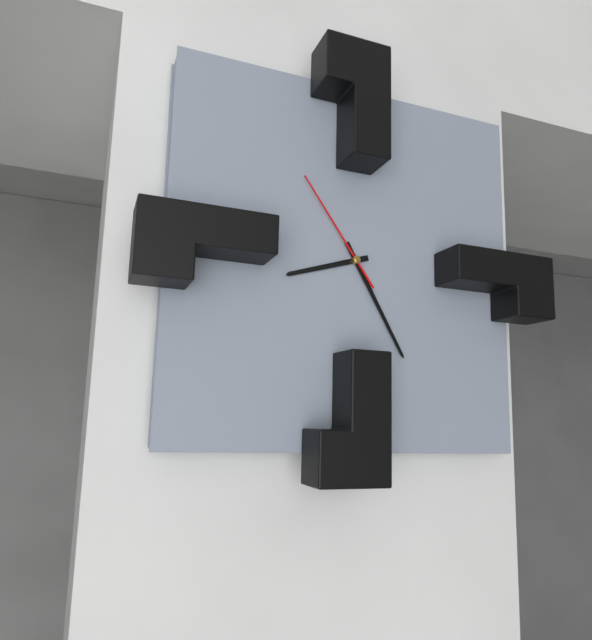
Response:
8,25,54
